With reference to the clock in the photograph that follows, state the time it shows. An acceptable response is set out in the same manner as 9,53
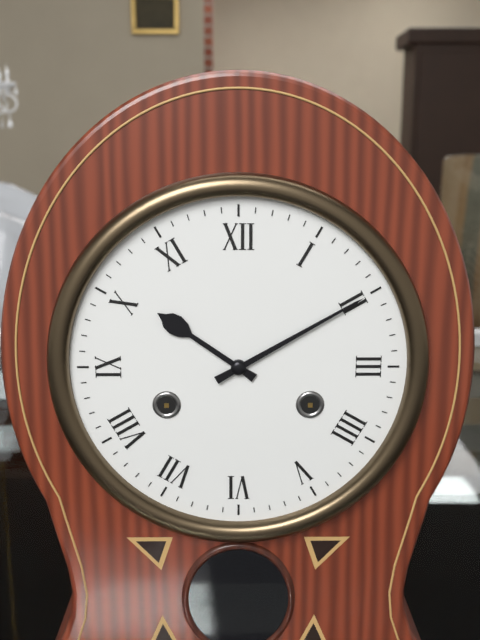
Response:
10,10
